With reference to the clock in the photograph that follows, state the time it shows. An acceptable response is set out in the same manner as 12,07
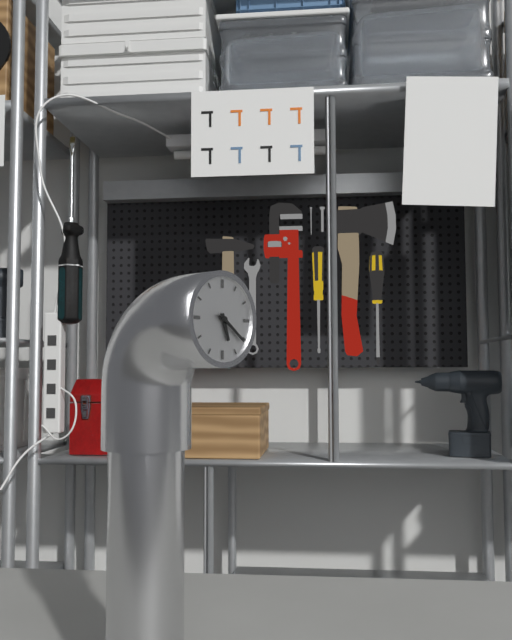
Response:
5,21
